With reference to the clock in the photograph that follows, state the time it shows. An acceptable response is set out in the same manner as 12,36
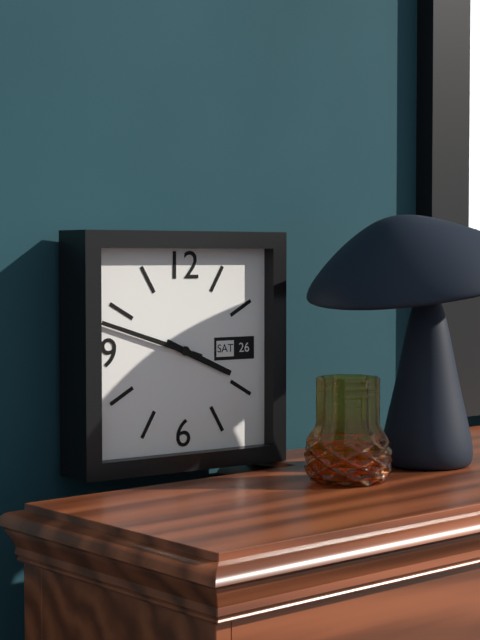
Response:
3,48
